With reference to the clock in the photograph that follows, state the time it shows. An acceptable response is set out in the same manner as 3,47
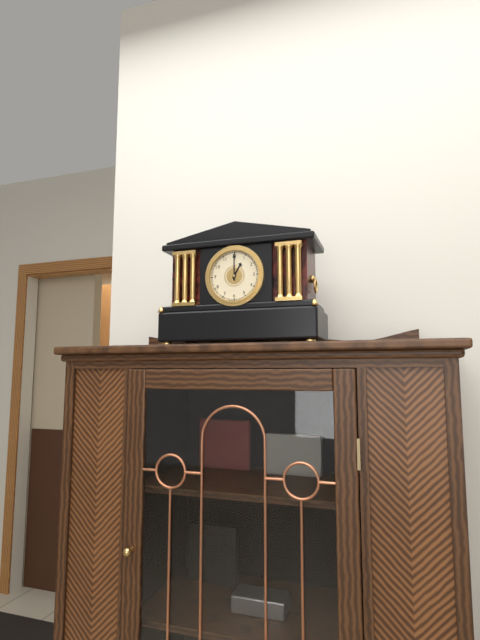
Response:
1,00
